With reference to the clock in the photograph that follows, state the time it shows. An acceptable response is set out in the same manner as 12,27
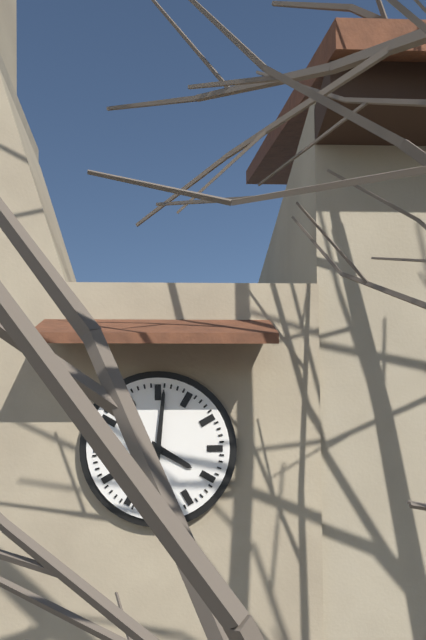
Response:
4,01
